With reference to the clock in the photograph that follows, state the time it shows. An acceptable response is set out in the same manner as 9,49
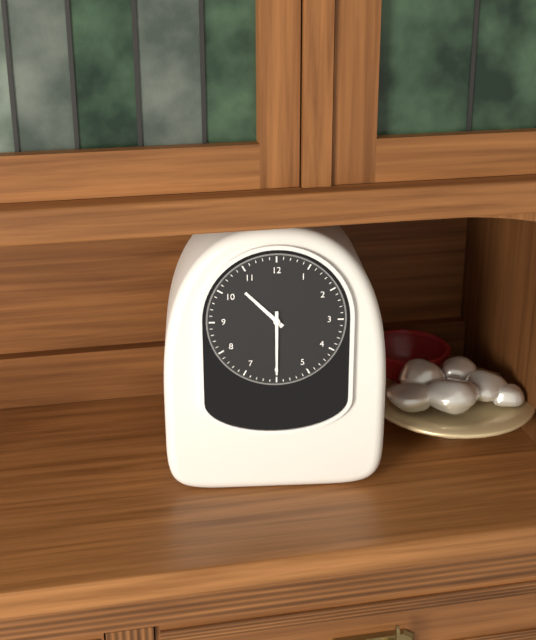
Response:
10,30
